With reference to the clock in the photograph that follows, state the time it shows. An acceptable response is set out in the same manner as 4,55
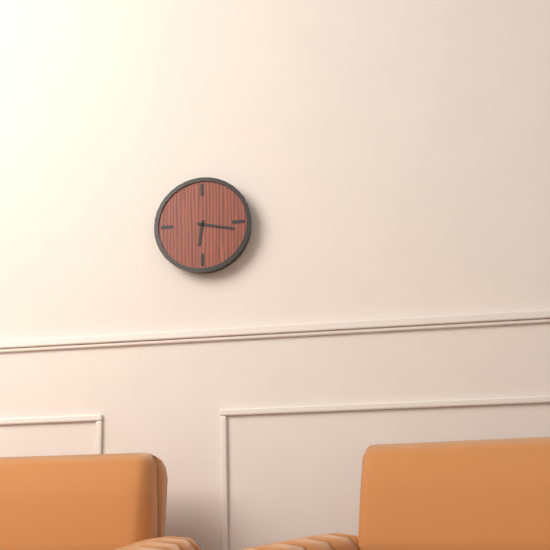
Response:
6,17
